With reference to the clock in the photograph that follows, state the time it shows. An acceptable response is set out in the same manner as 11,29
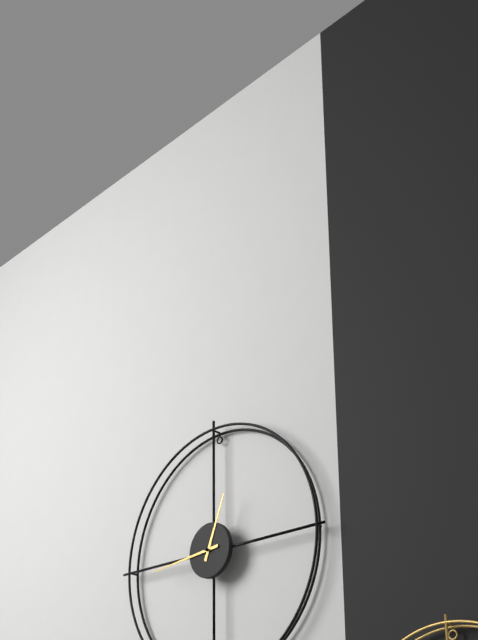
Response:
12,44
